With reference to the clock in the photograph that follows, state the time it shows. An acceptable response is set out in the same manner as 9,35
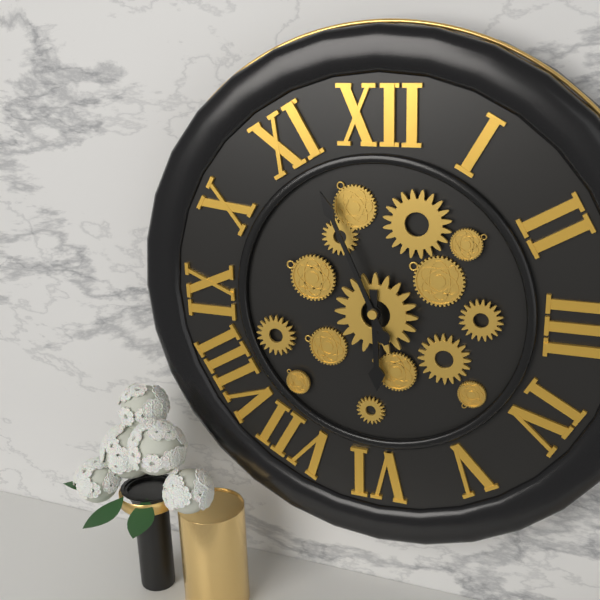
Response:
5,56
